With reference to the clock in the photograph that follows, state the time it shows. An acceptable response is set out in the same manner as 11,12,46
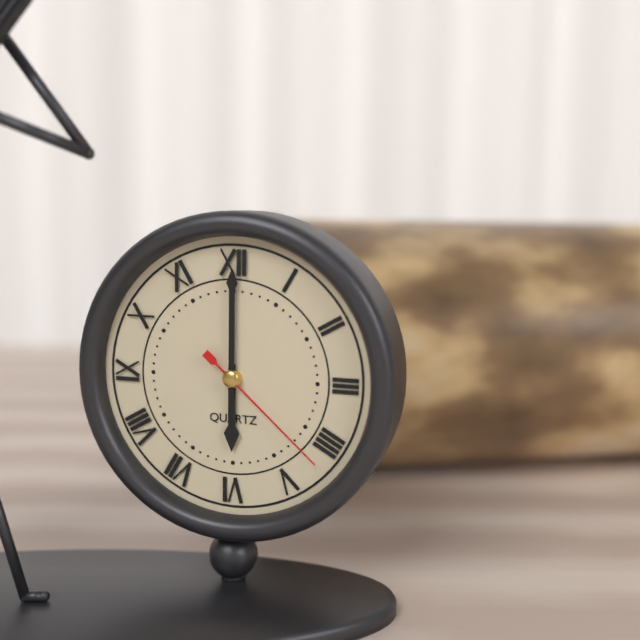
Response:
6,00,22
